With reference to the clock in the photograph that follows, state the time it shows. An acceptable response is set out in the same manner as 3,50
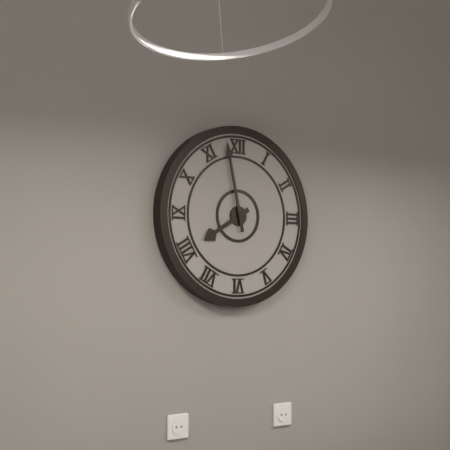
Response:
7,58
